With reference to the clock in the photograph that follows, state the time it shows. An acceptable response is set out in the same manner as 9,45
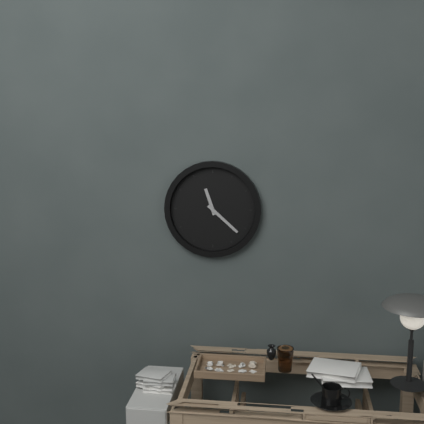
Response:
11,22
